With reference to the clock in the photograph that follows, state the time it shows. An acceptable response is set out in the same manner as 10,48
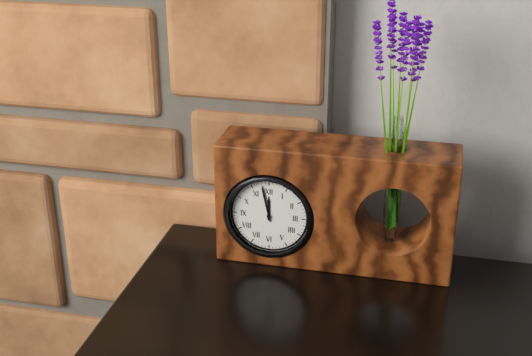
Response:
11,58
